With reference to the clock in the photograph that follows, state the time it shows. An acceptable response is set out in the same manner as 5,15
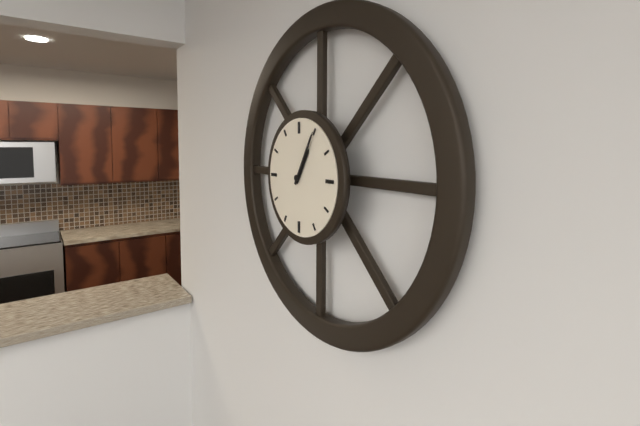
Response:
1,05
